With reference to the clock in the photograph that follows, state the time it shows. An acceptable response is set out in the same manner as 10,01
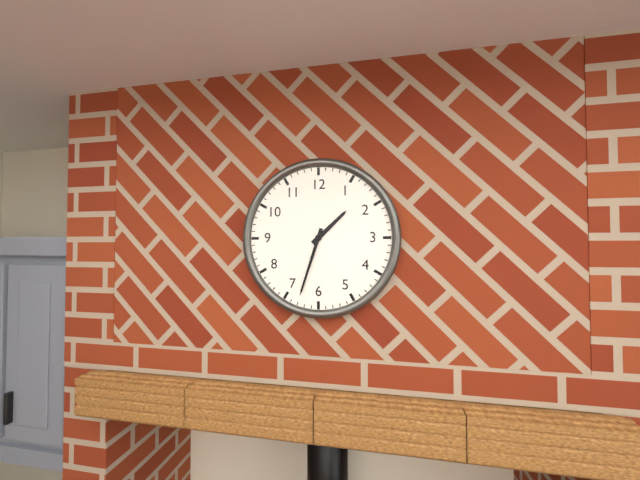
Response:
1,33
